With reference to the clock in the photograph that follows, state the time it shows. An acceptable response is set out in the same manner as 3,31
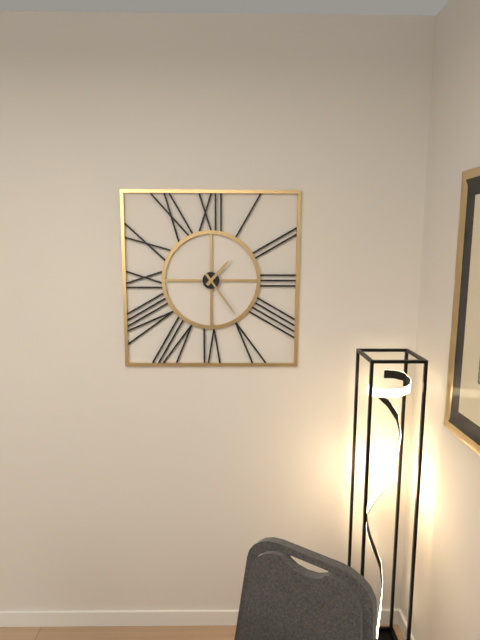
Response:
1,24
